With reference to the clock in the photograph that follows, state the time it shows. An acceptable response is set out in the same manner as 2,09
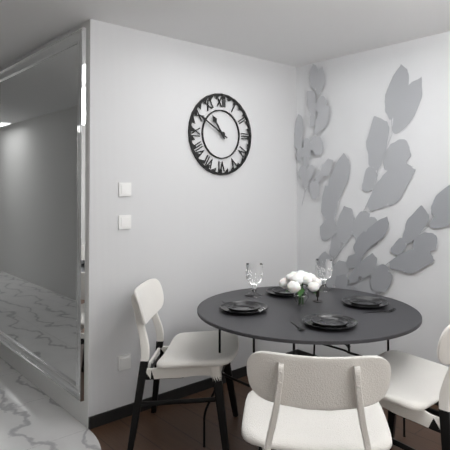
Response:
10,50
